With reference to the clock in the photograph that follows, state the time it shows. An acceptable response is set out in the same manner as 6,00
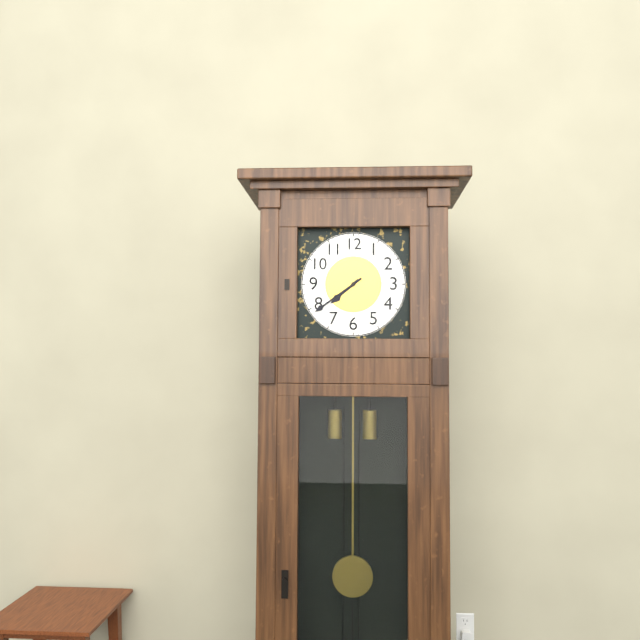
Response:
7,39
